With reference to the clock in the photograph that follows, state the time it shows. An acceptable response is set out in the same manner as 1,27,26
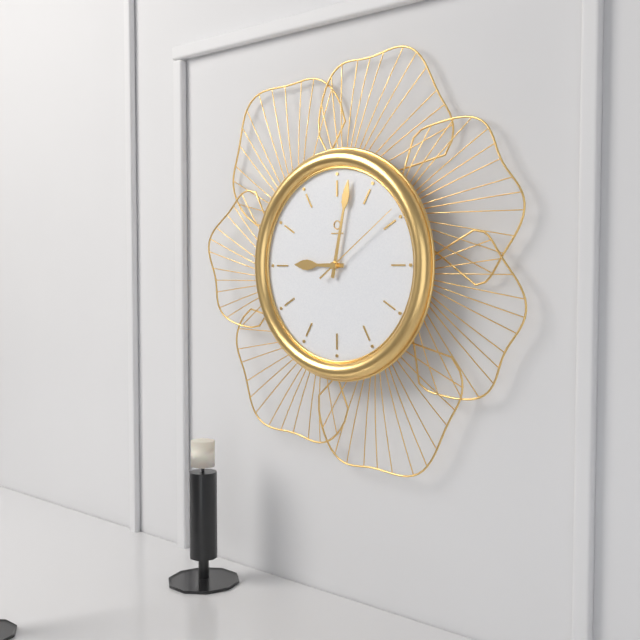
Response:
9,02,09
